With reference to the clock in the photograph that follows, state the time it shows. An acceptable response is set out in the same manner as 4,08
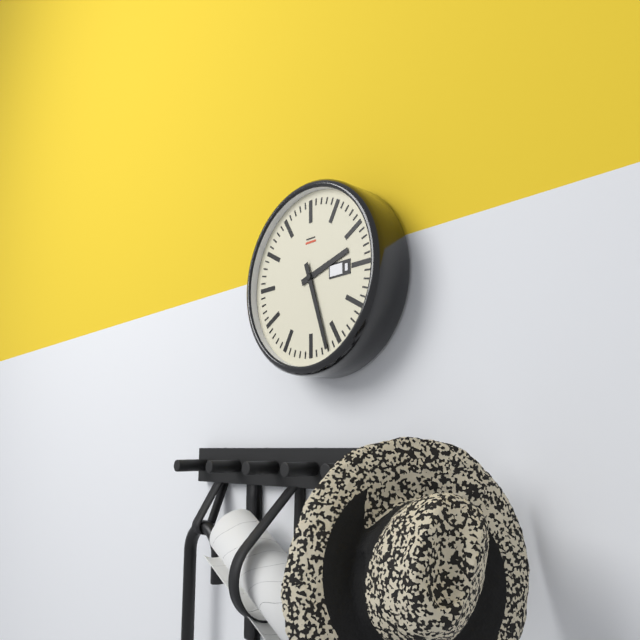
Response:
2,27
